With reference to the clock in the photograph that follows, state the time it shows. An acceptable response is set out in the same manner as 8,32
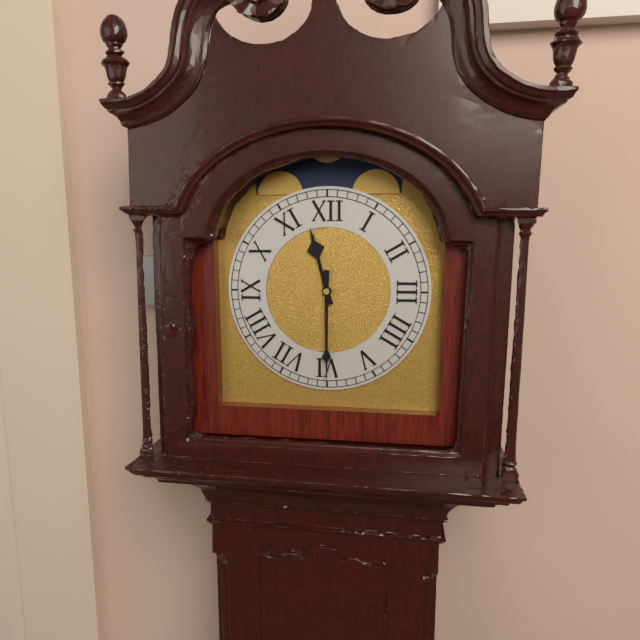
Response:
11,30
